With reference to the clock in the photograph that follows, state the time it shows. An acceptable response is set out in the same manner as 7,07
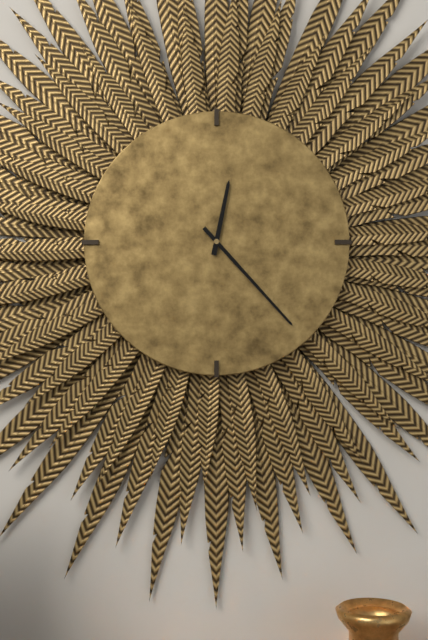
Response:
12,23
